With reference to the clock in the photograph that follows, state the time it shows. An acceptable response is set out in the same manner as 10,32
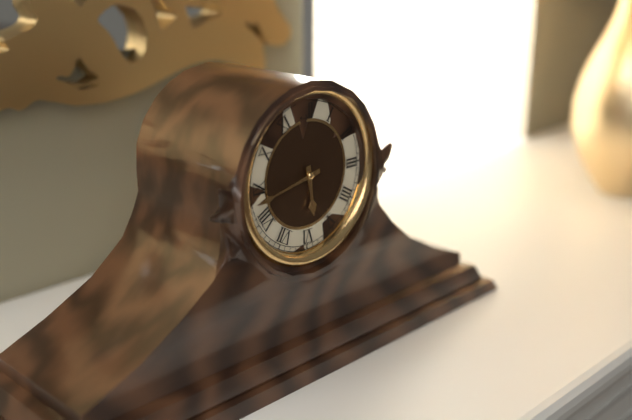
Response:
5,43
